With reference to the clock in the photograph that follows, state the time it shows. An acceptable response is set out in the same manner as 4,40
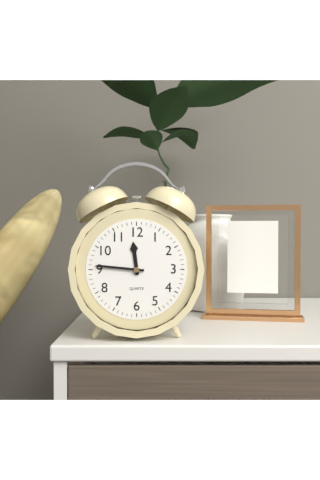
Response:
11,46
